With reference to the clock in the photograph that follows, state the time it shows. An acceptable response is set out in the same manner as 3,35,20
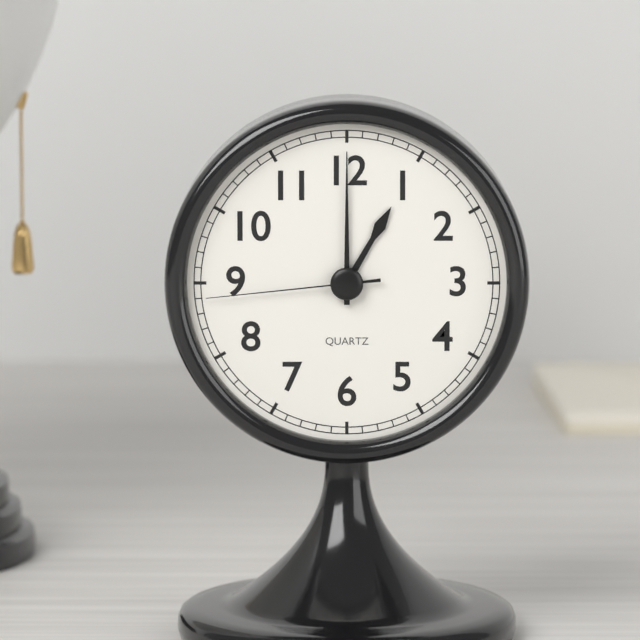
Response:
1,00,44
